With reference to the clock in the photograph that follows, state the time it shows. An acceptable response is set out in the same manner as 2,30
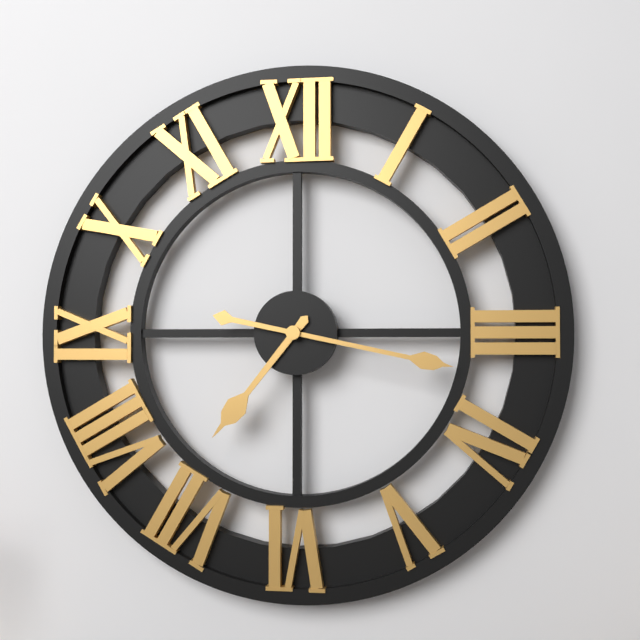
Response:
7,17
